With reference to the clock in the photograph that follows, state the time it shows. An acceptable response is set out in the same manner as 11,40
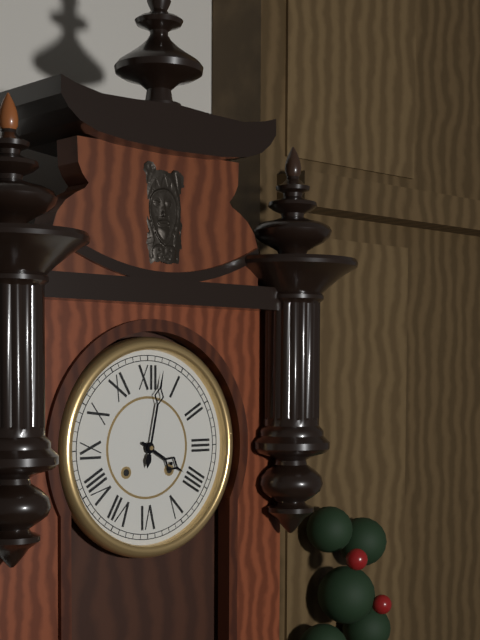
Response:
4,02
